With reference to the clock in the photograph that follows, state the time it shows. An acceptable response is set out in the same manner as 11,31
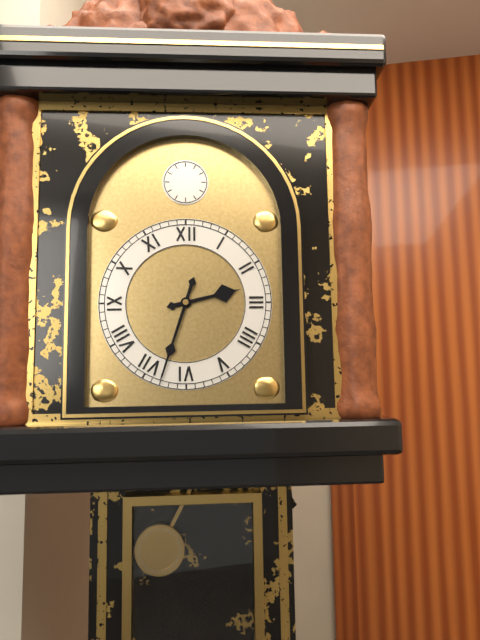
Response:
2,33
